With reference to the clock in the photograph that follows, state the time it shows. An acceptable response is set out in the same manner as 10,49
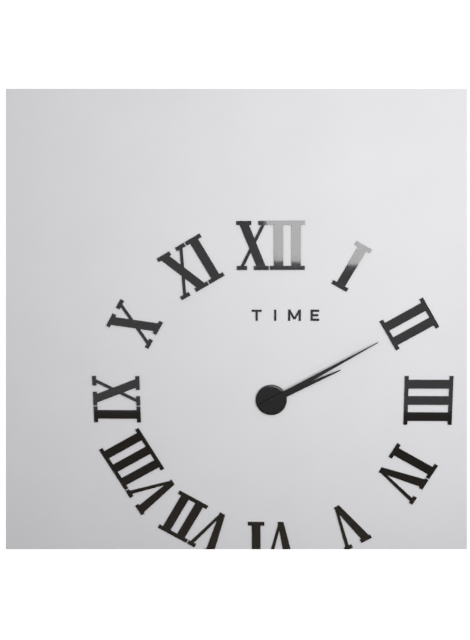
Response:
2,10
